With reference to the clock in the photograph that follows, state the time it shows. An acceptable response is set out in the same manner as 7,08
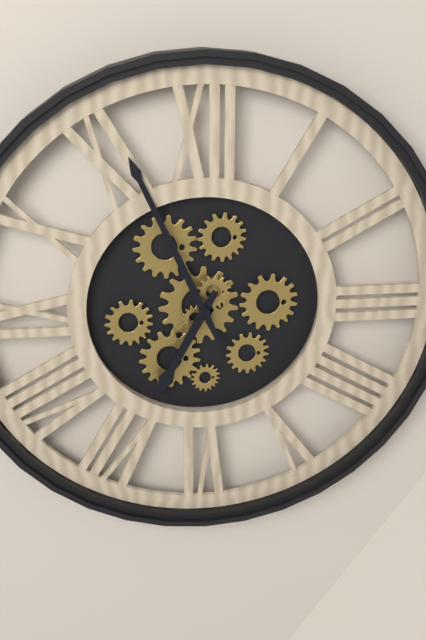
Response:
6,56
